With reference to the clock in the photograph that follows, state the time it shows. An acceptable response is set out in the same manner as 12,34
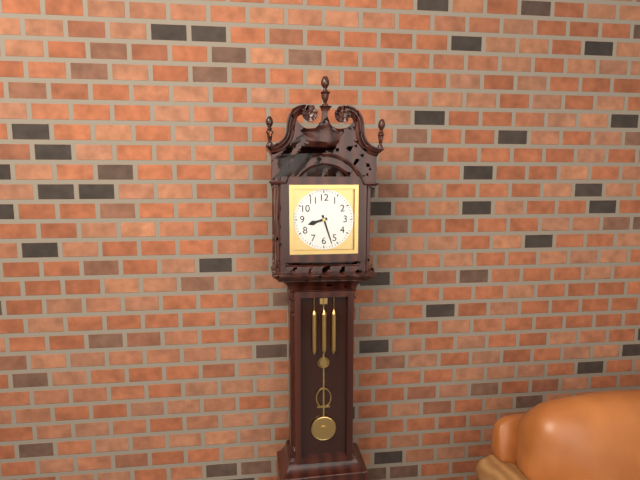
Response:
8,27
